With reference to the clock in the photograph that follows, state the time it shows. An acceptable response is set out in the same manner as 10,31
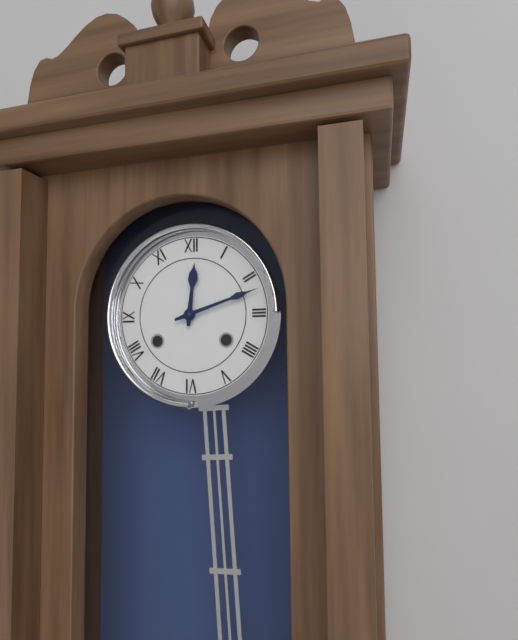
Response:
12,12
